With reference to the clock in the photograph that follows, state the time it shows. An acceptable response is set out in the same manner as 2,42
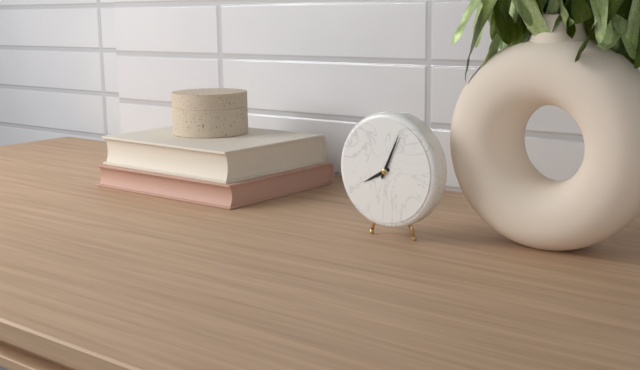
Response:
8,04
